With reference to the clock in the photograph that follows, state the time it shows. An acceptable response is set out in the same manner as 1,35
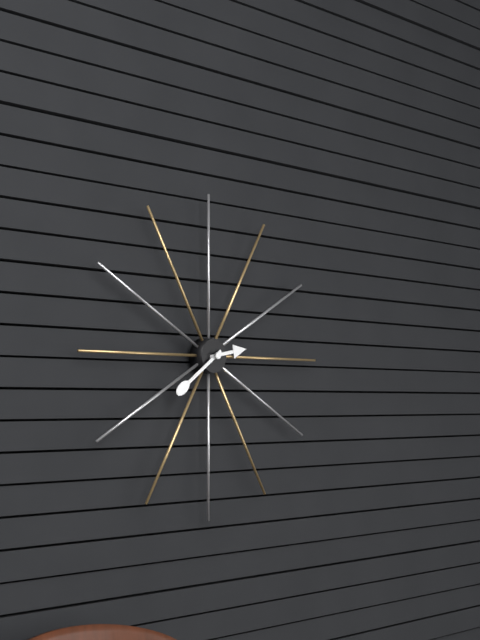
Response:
2,39
